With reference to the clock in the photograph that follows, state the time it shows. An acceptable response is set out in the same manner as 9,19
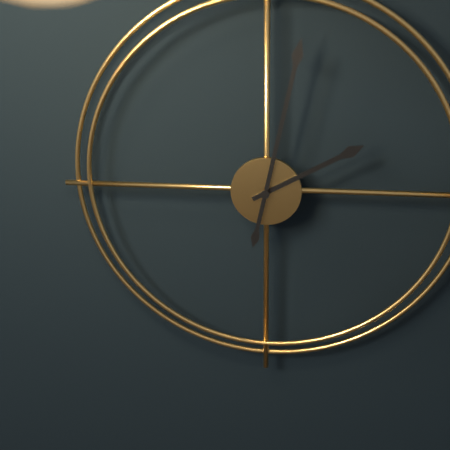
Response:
2,02
